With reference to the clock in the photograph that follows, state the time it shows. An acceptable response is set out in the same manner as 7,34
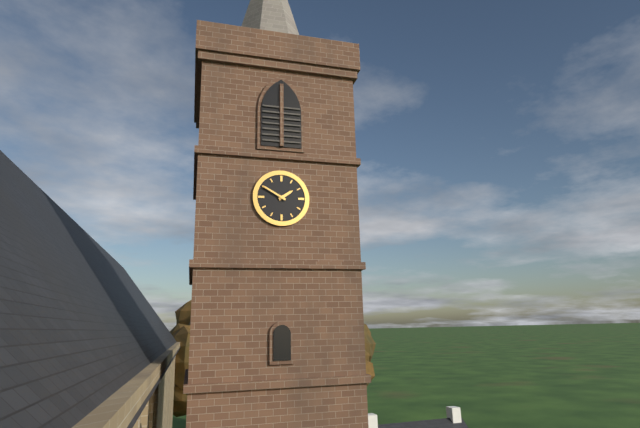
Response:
1,50
